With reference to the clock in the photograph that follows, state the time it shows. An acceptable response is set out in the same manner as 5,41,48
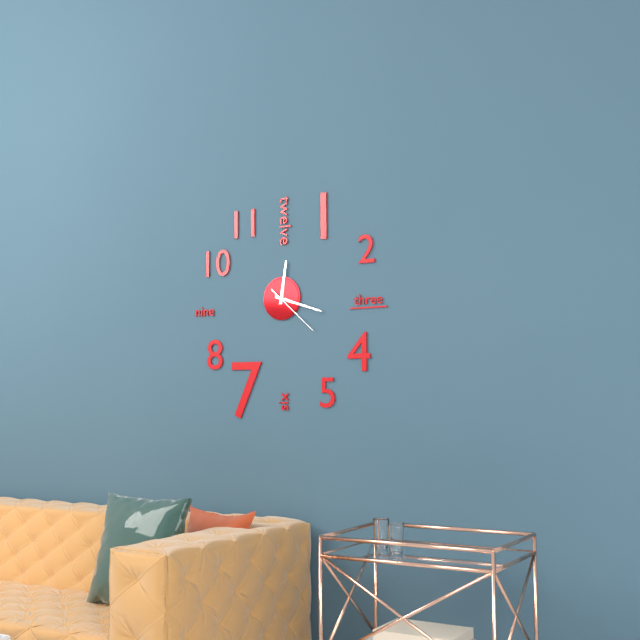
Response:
12,18,22
